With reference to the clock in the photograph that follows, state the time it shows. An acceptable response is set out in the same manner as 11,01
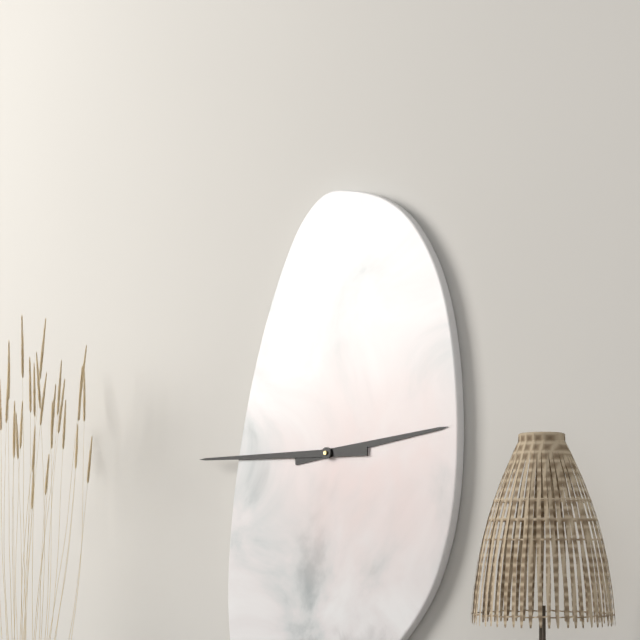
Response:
2,45
